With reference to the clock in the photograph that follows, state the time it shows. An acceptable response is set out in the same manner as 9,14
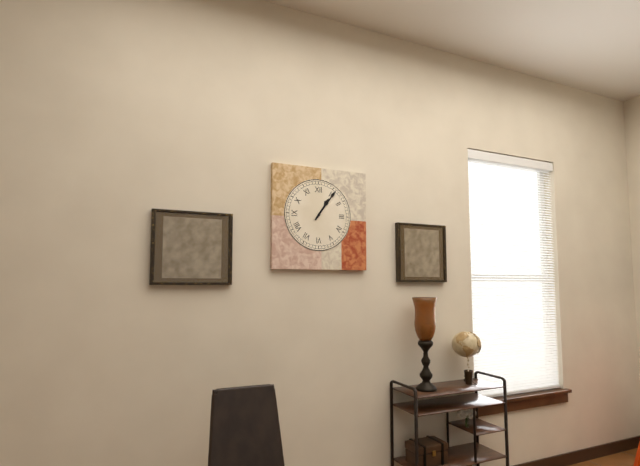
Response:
1,06
